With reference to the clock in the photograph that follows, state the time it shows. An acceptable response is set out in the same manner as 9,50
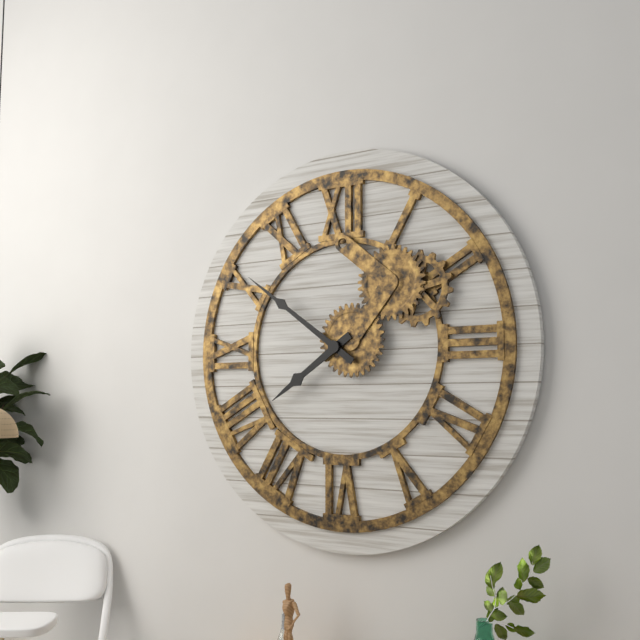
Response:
7,51
